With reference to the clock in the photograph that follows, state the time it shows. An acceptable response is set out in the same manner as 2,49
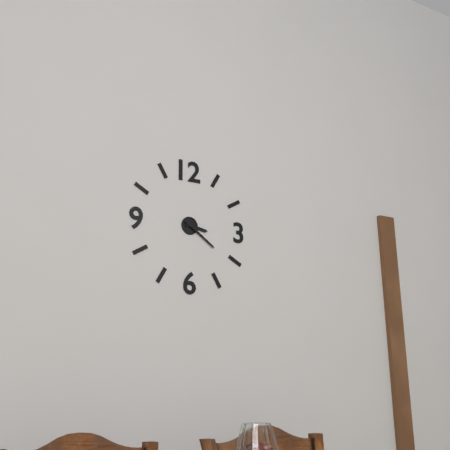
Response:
3,21
